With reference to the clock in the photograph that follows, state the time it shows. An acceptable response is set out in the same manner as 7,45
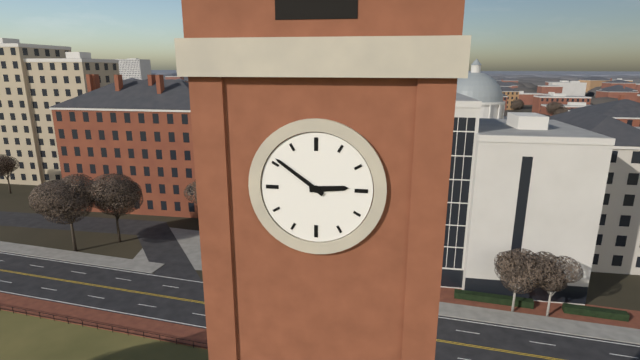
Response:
2,51
